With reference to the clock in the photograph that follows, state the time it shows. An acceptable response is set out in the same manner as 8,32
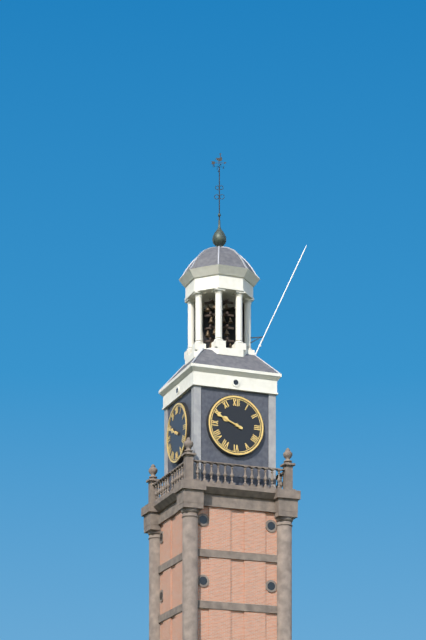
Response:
9,49
